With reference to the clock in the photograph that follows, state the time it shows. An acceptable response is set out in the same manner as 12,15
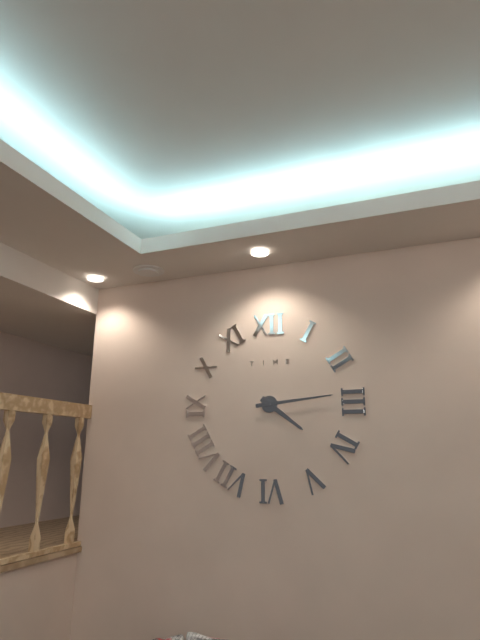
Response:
4,14
